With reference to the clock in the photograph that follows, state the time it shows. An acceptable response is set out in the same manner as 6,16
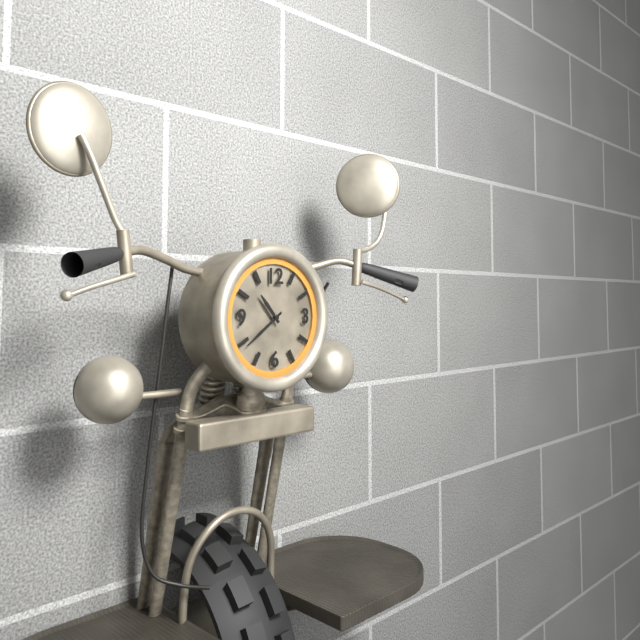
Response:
10,39
